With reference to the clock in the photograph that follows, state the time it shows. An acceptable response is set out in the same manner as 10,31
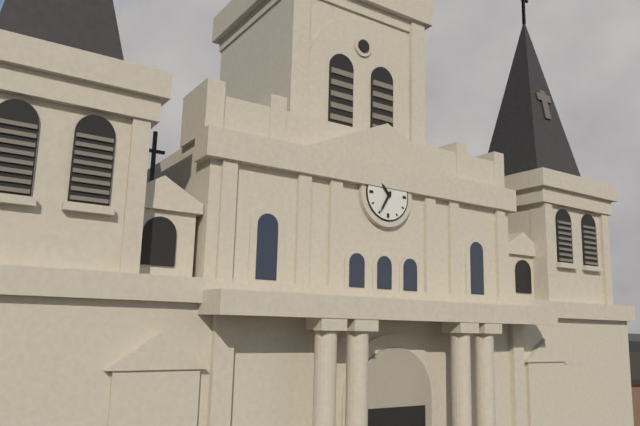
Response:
10,35
